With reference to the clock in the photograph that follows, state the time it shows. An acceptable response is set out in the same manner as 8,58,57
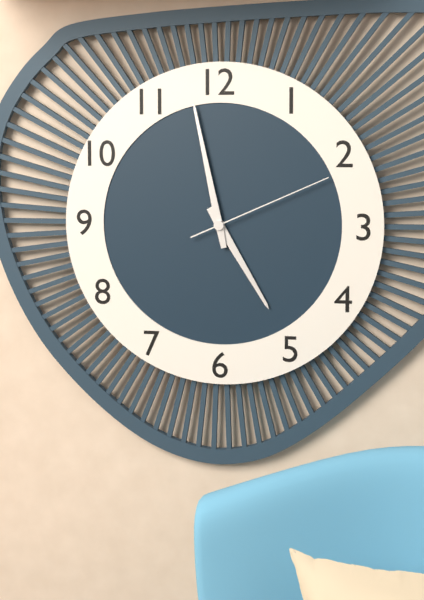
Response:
4,58,11
